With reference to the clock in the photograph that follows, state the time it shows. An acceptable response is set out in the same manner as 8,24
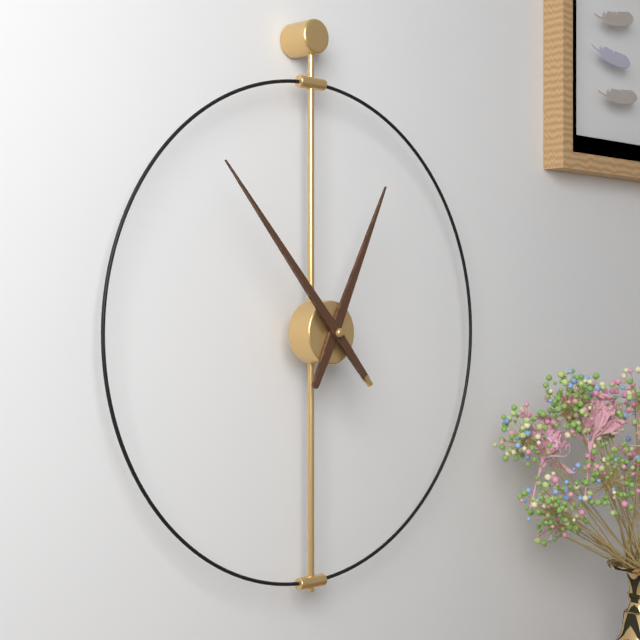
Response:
12,53
